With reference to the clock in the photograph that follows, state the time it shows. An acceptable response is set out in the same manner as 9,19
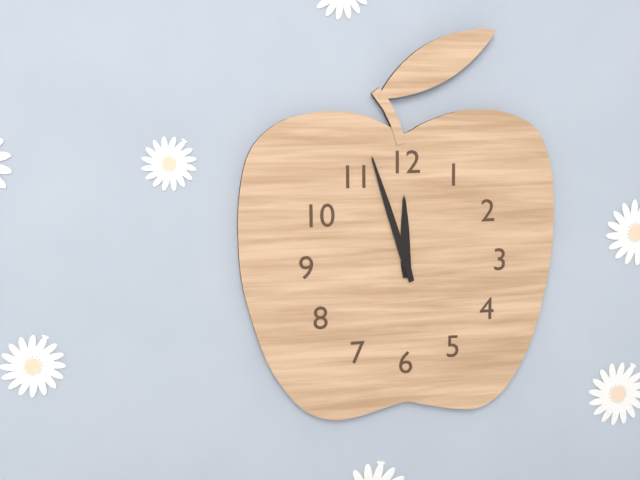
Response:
11,57
